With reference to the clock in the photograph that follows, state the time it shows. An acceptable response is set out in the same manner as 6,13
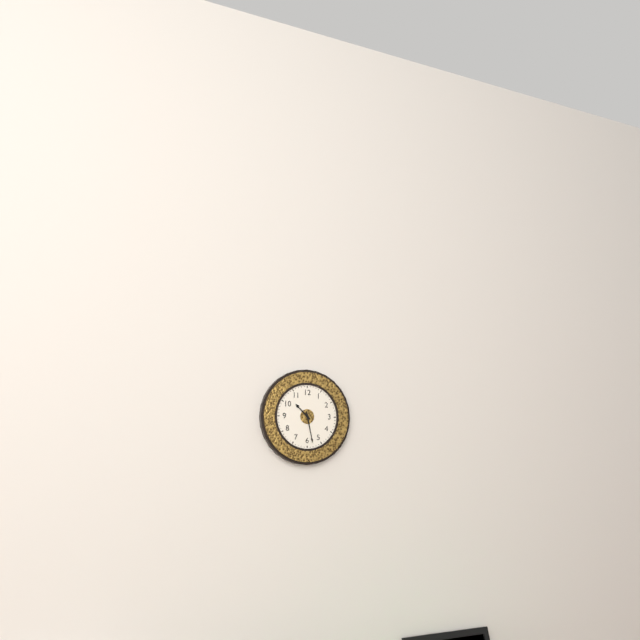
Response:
10,28
